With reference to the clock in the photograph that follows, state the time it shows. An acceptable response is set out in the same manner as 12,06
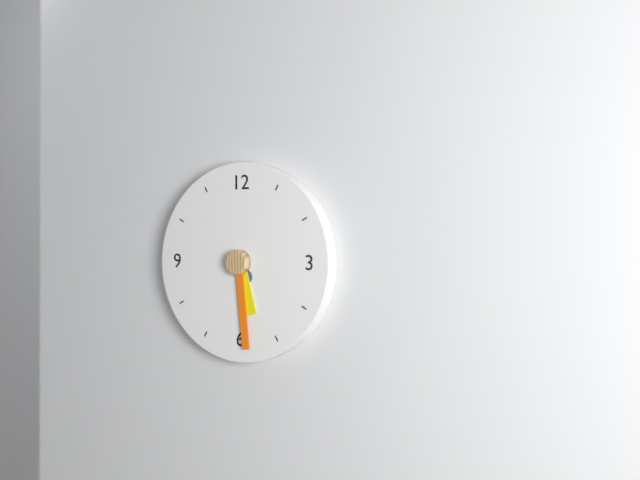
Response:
5,29
